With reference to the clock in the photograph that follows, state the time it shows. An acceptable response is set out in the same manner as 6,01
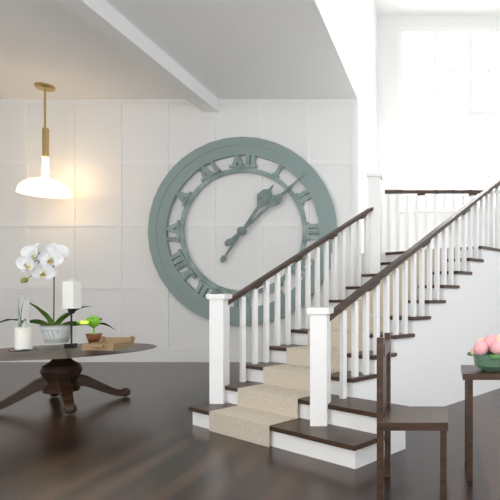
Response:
1,08
